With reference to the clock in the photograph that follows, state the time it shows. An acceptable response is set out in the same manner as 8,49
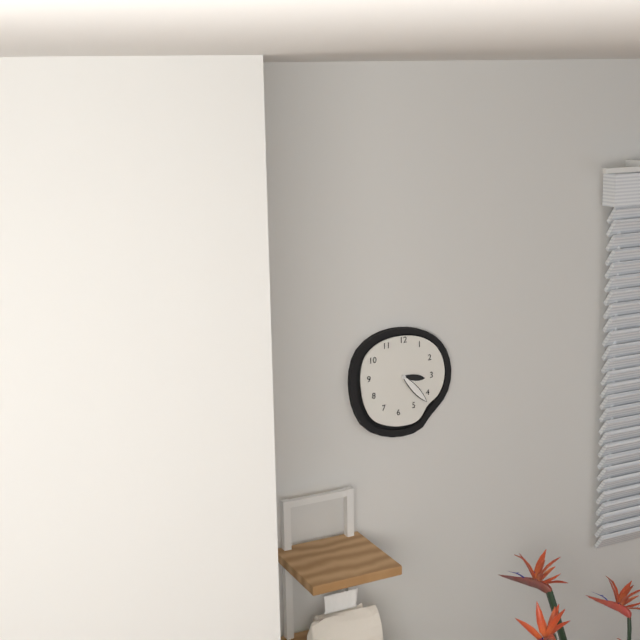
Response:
3,23
